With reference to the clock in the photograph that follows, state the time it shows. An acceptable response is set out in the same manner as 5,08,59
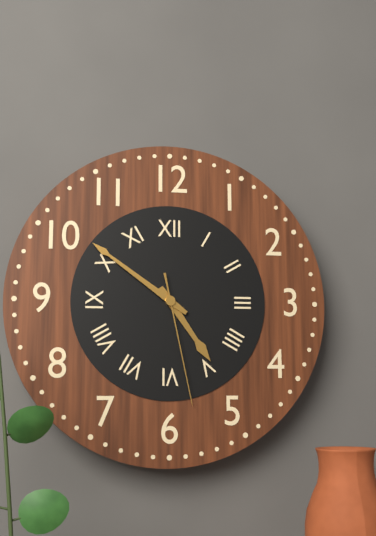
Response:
4,51,28
